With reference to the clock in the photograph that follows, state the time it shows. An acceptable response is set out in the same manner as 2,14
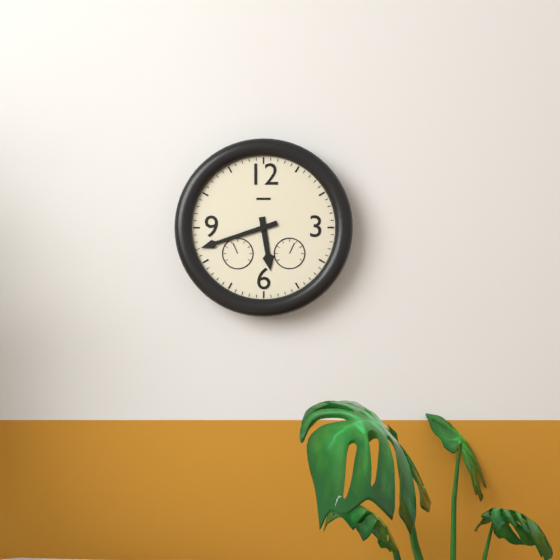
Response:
5,42
